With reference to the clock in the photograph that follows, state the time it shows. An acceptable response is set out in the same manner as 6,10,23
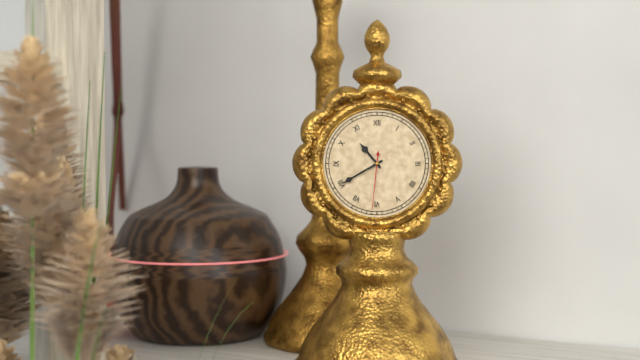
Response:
10,40,31
